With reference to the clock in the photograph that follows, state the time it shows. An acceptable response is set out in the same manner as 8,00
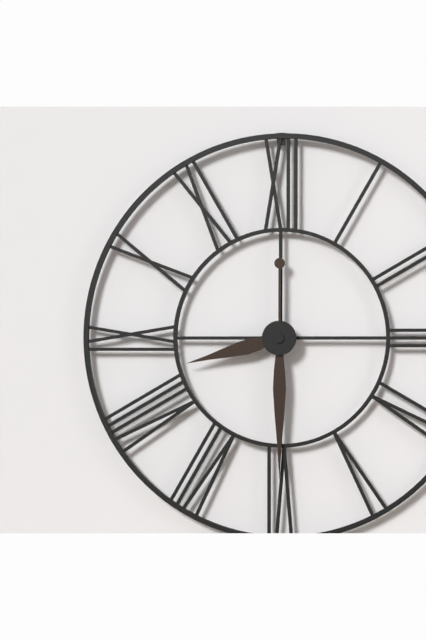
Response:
8,30
